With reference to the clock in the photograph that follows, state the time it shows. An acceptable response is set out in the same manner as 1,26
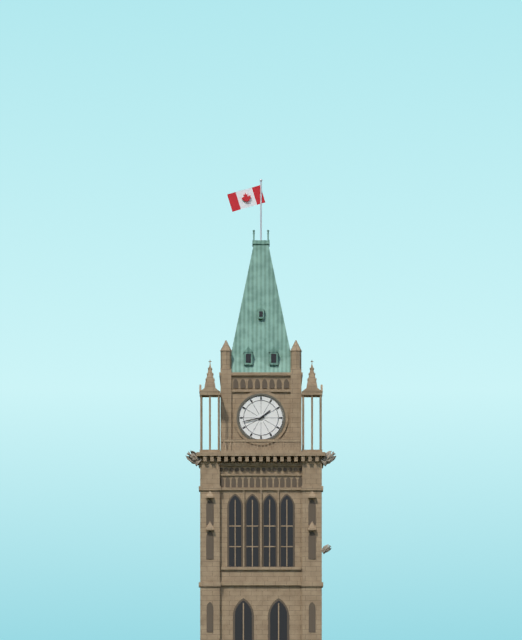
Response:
1,43
